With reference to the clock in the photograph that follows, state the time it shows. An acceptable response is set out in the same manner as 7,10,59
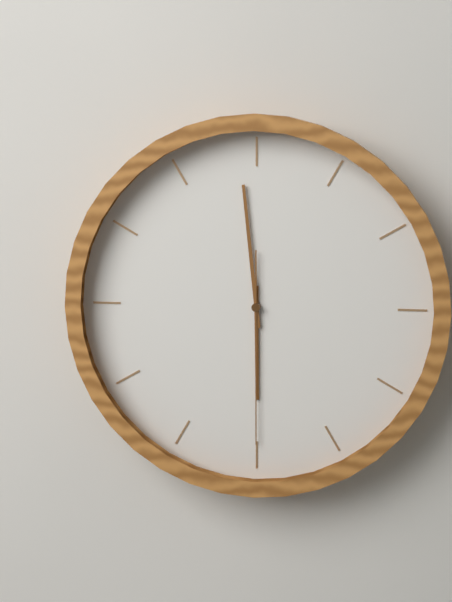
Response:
5,59,30
